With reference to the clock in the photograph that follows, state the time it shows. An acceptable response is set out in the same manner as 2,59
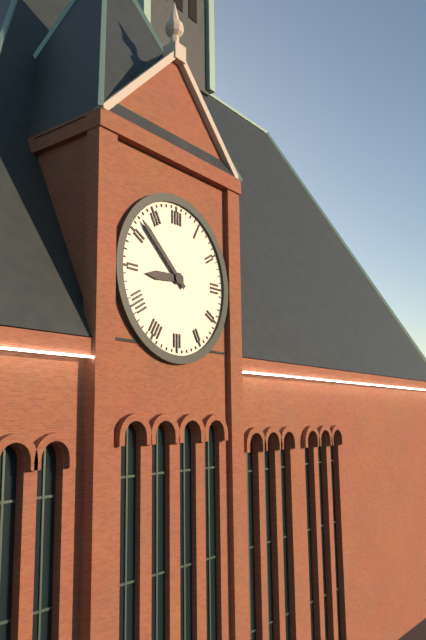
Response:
8,52
